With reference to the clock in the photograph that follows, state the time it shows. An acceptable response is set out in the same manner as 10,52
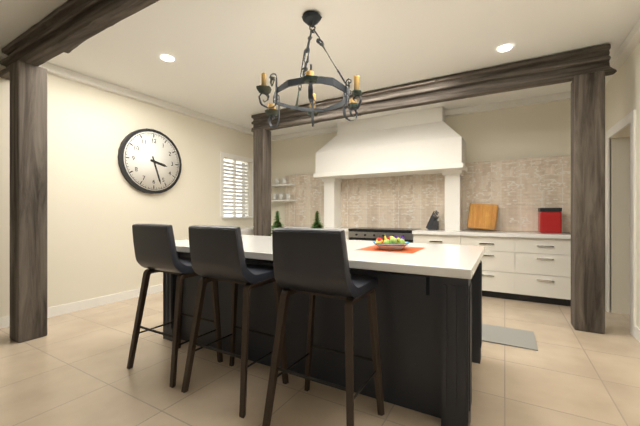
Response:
3,27
